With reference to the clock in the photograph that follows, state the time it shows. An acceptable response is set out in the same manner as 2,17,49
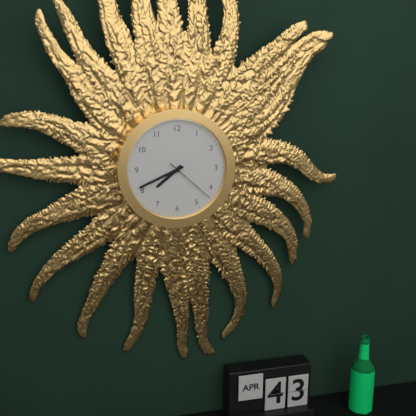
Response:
7,41,22
